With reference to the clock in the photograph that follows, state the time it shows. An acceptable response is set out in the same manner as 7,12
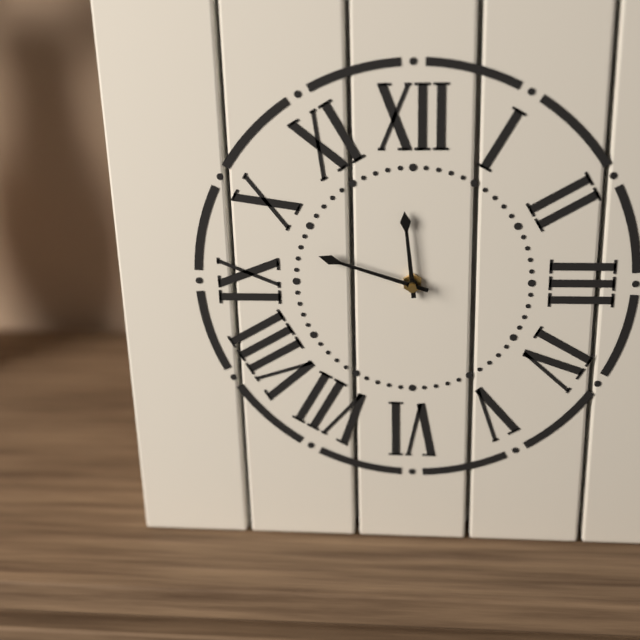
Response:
11,48
